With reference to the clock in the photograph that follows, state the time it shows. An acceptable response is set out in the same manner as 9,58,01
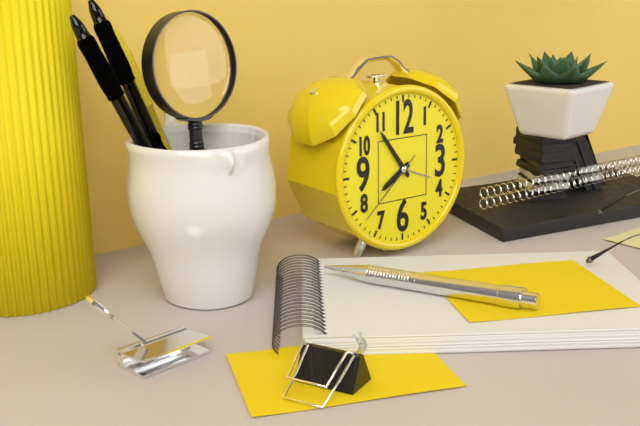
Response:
7,54,38
